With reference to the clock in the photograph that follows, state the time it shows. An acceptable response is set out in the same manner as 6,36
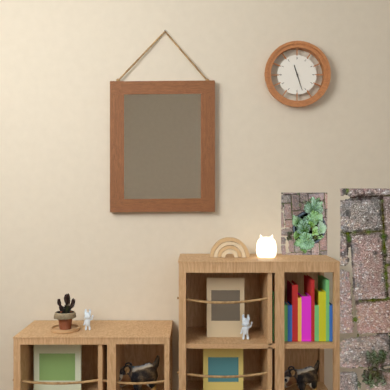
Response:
11,27
